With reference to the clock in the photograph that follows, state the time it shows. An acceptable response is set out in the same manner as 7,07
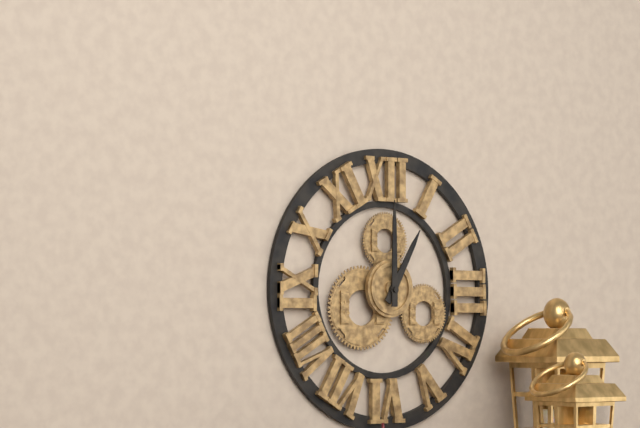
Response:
1,00
